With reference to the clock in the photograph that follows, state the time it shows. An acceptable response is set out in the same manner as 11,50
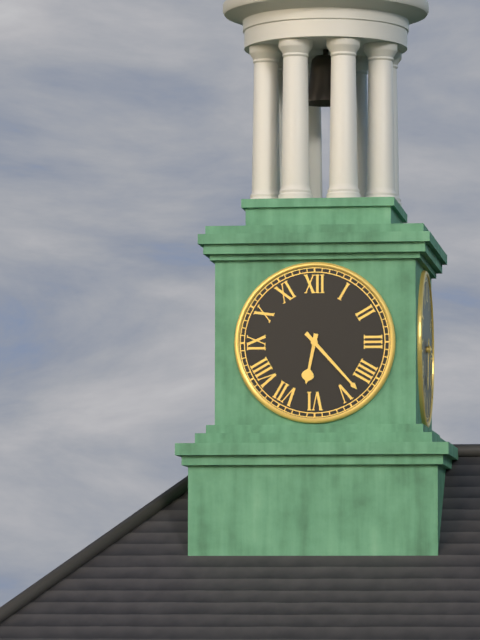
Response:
6,23
